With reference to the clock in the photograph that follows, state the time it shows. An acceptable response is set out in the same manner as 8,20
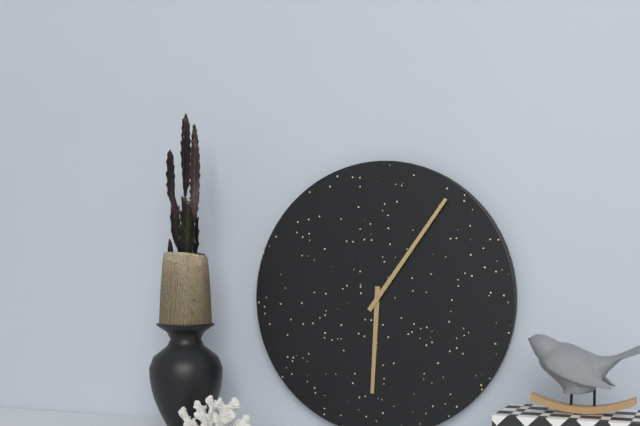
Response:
6,06
